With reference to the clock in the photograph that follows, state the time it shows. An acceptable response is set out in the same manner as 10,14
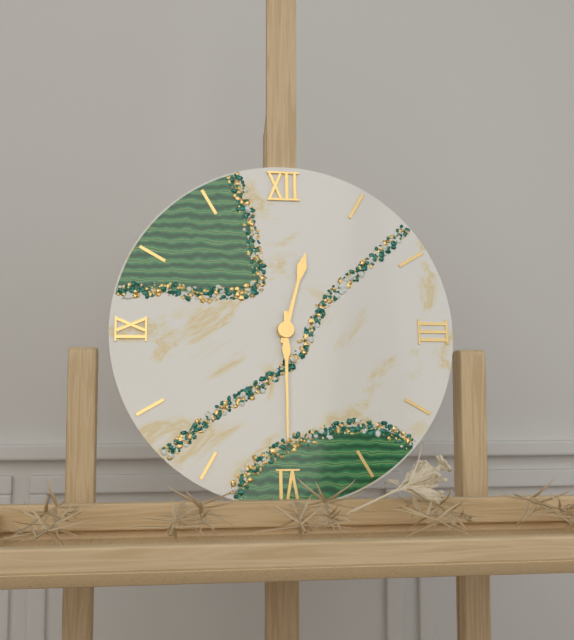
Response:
12,30
